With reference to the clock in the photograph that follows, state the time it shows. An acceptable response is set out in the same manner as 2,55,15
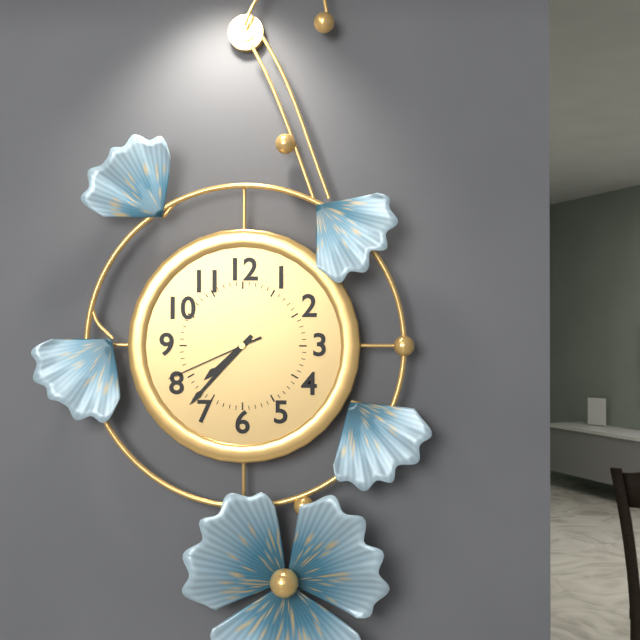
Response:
7,37,41
